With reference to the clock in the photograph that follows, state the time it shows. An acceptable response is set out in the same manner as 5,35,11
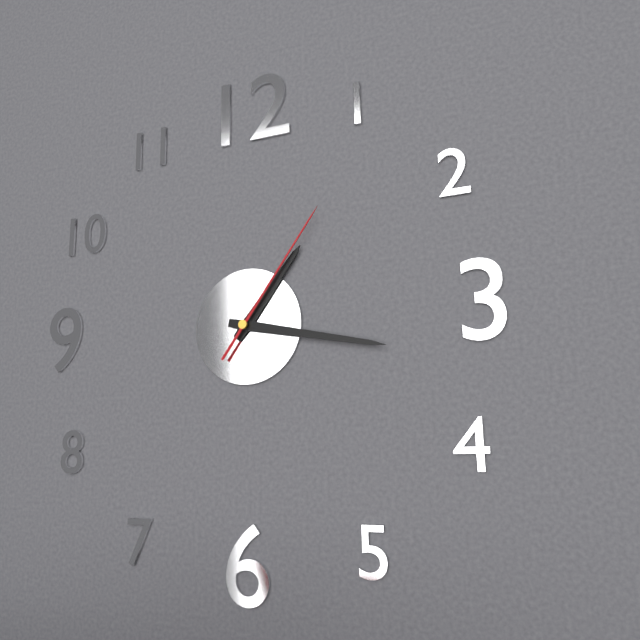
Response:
1,17,06
